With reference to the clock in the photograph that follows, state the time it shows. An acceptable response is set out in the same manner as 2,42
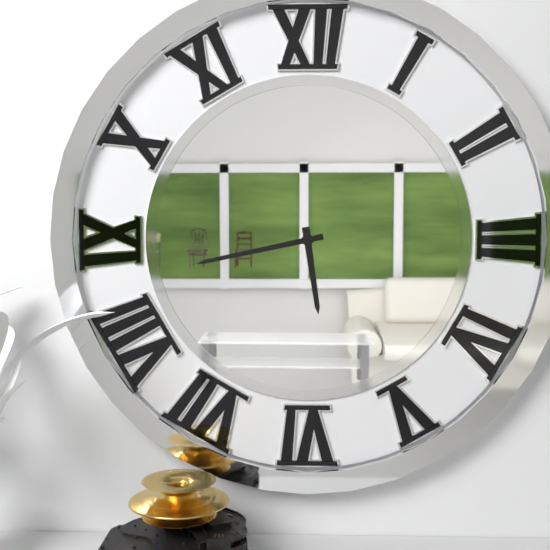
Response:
5,43
